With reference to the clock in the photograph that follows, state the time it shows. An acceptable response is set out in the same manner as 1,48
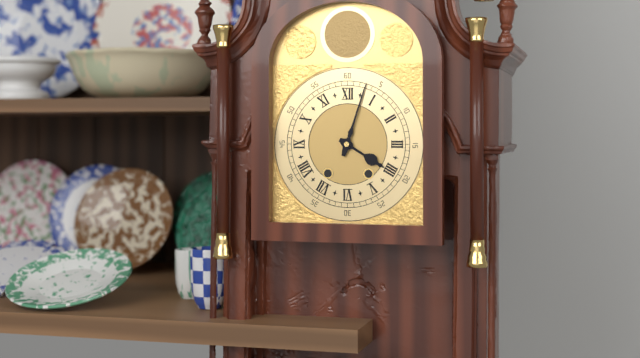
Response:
4,03
